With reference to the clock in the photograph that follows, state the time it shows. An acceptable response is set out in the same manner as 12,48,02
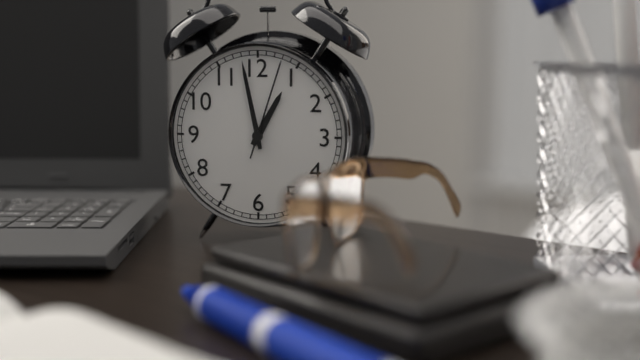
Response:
12,58,03
